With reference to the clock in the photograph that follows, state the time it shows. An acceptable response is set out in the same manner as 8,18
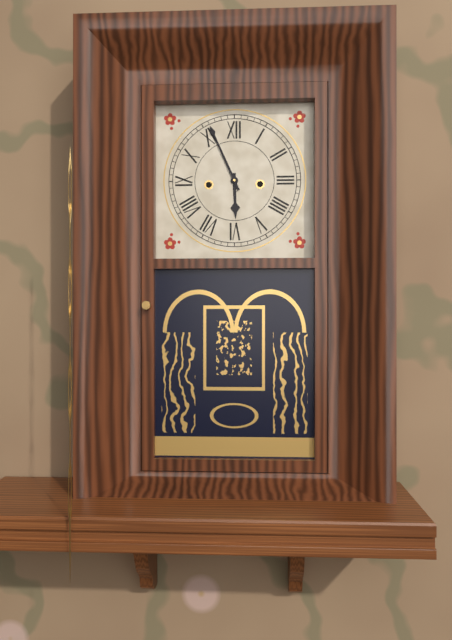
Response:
5,56
